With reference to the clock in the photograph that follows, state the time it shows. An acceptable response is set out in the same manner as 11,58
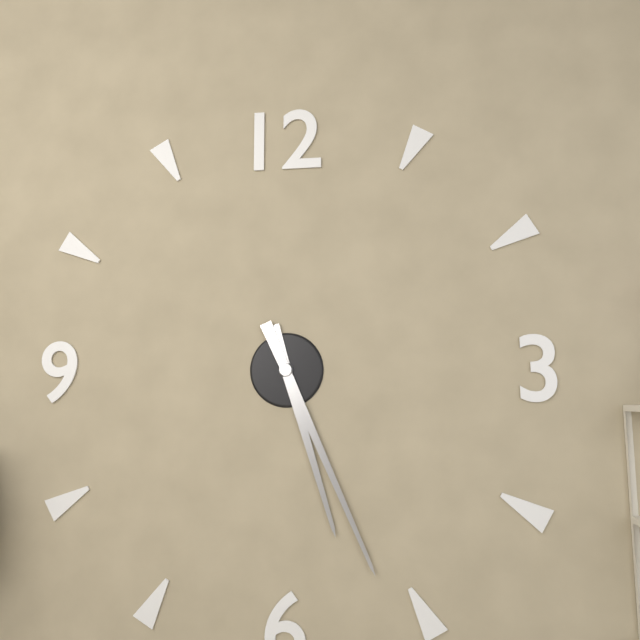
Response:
5,26
